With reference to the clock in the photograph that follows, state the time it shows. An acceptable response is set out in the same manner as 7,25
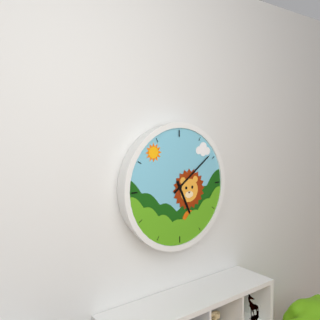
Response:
5,09
